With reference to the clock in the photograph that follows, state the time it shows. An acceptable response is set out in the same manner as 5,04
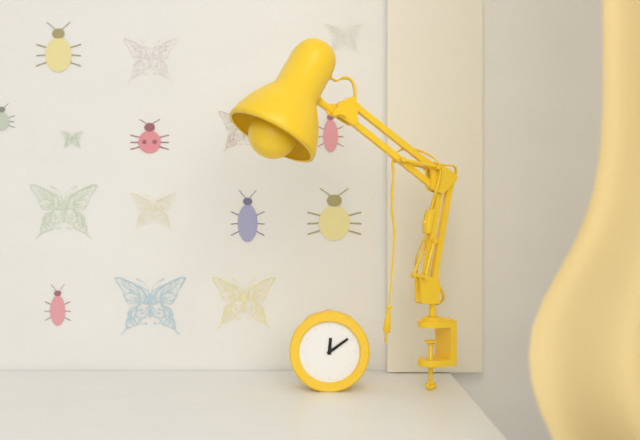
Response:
12,09
